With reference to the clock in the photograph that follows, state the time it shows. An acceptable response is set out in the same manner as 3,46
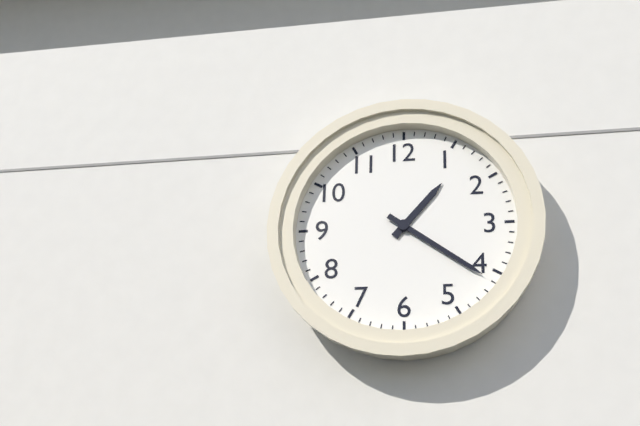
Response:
1,21
